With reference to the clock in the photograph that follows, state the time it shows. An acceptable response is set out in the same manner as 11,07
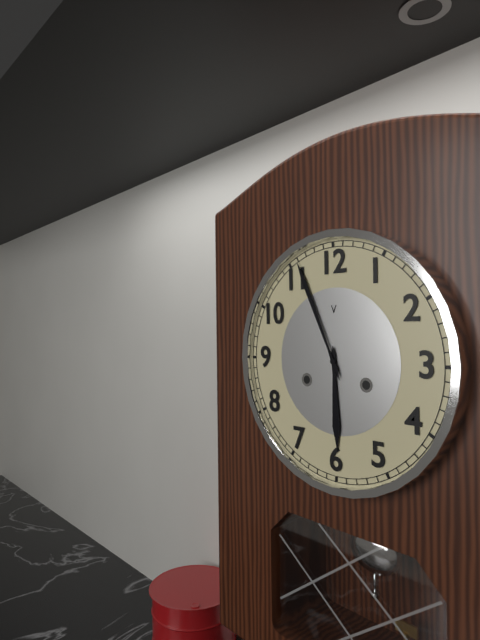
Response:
5,56
